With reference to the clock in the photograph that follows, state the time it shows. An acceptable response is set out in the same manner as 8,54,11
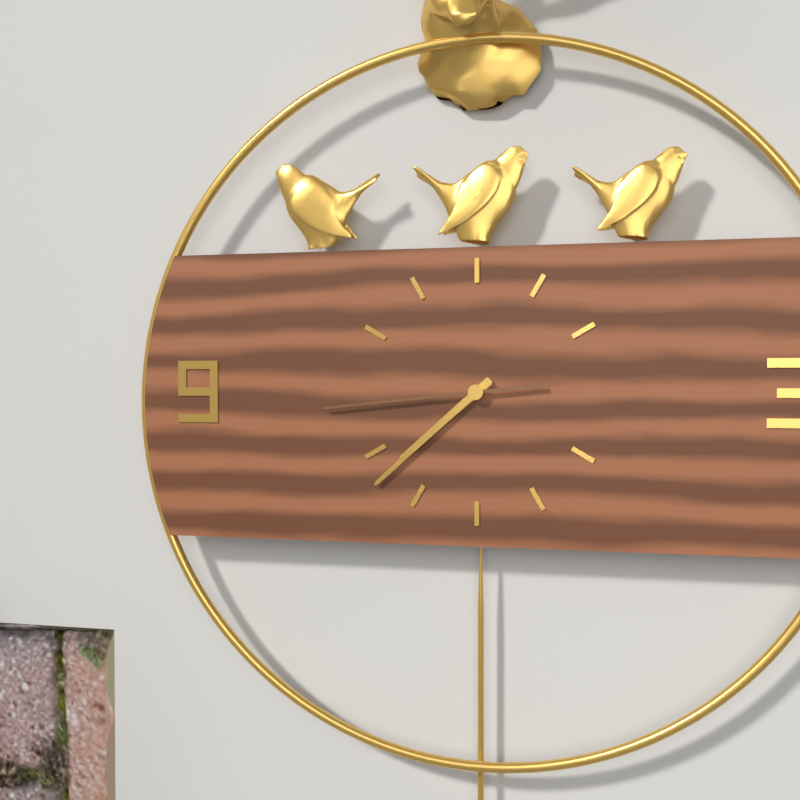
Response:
7,38,44
